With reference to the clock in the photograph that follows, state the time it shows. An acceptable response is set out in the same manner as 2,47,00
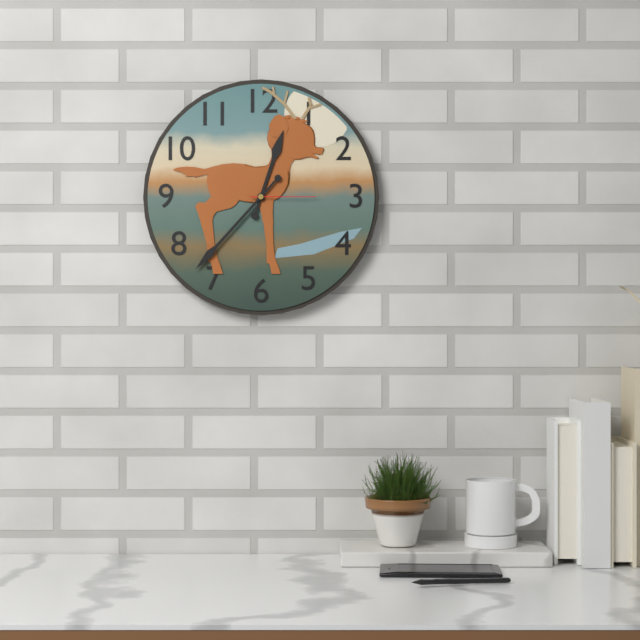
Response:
12,37,15
